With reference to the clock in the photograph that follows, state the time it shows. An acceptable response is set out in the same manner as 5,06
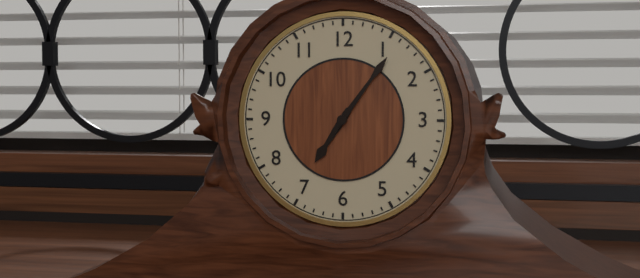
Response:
7,06
